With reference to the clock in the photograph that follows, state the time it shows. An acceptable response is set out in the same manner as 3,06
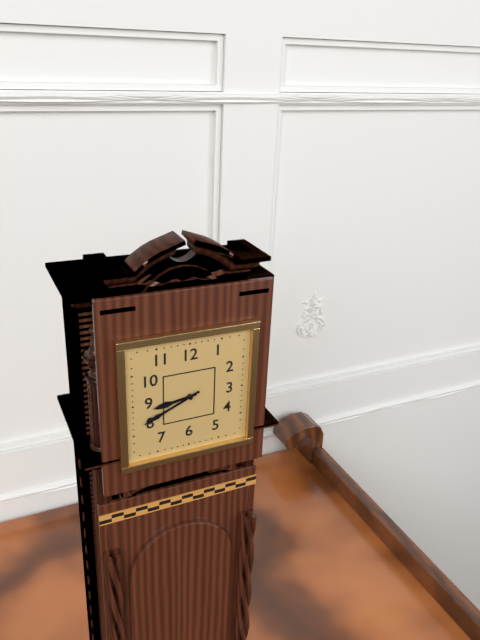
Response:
8,41
